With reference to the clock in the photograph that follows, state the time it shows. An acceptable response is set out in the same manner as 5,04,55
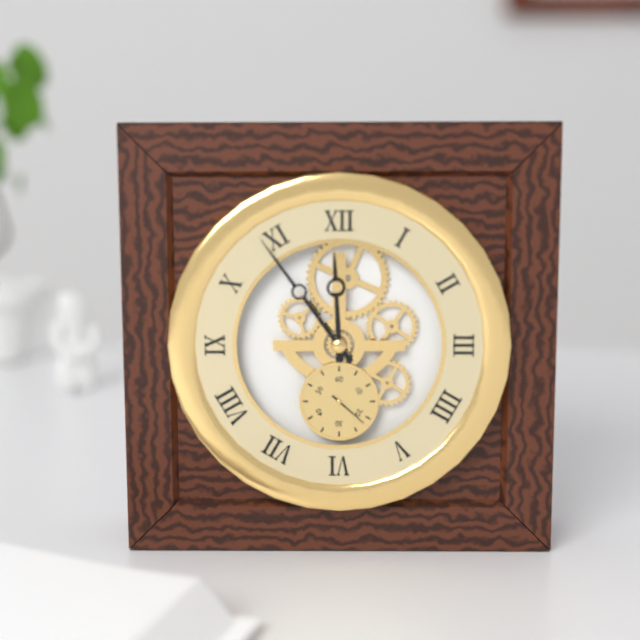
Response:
11,54,22
